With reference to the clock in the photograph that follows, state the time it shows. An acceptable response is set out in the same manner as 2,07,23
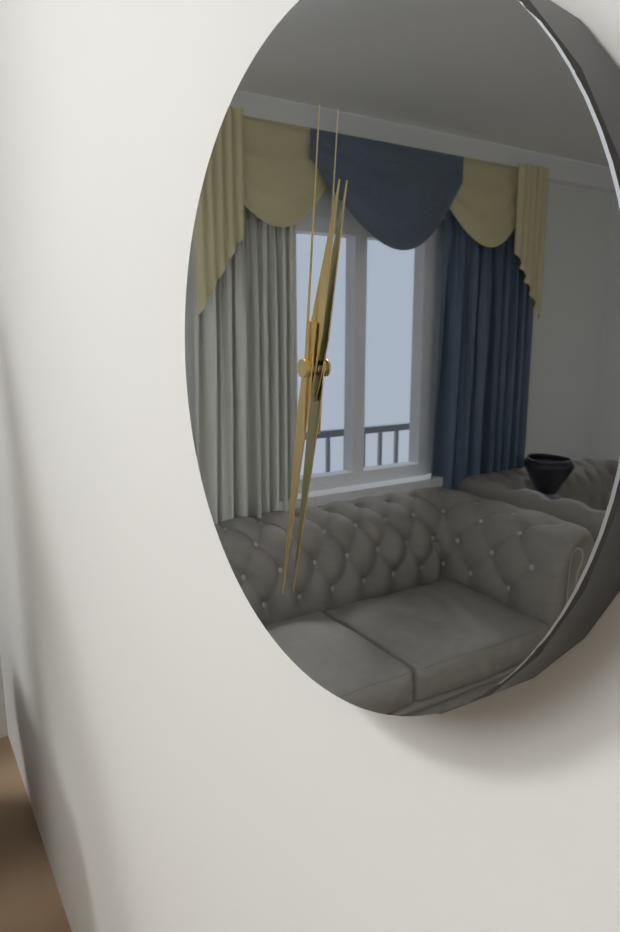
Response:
12,32,01
